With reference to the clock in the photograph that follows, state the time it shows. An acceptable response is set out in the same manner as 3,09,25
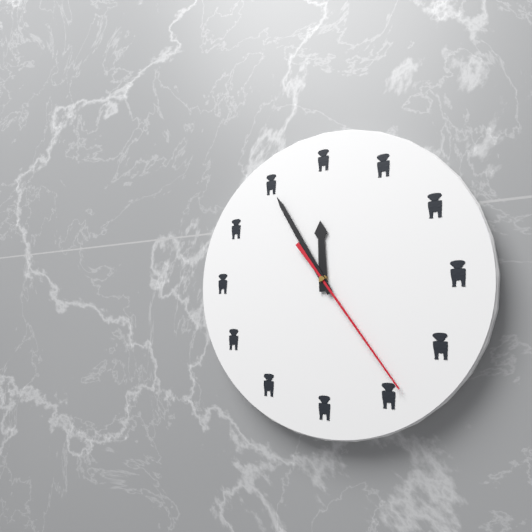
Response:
11,55,24
